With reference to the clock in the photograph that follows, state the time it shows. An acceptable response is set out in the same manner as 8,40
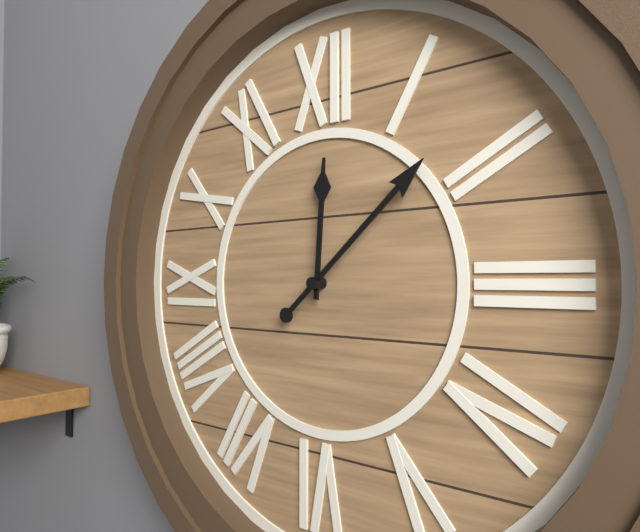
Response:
12,08
